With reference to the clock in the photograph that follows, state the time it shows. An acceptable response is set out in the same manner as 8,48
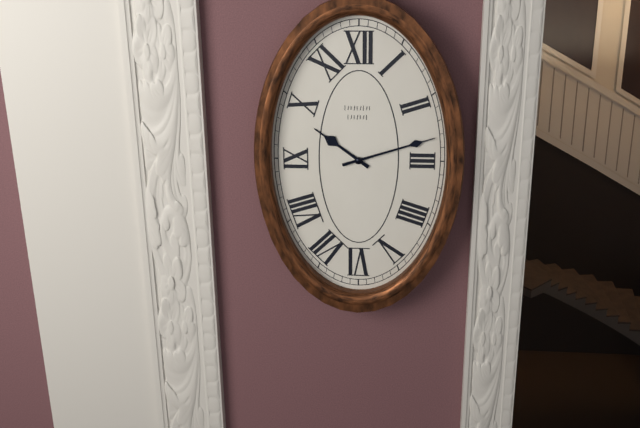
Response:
10,12
